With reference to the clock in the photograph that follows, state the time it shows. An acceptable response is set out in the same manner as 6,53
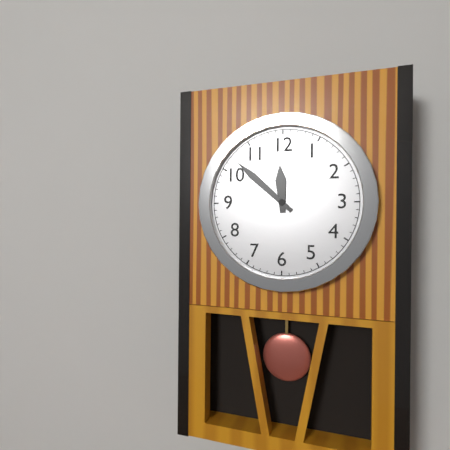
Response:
11,52
